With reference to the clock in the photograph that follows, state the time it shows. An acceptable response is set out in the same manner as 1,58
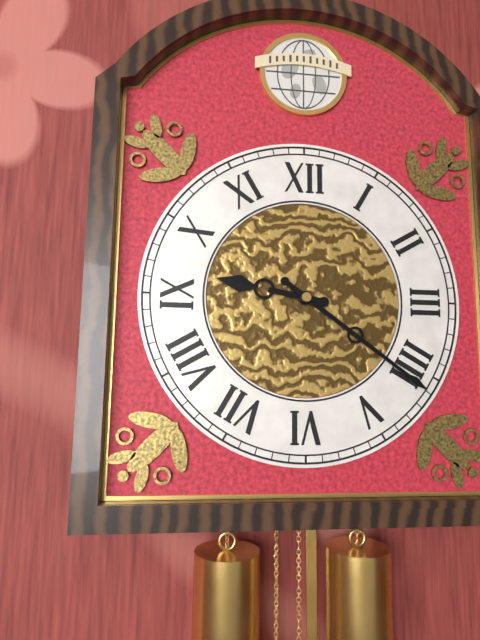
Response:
9,21
